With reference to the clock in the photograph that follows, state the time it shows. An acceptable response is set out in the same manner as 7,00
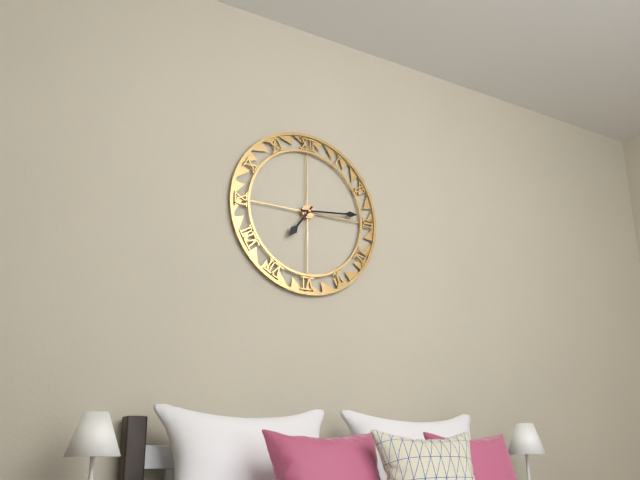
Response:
7,14
